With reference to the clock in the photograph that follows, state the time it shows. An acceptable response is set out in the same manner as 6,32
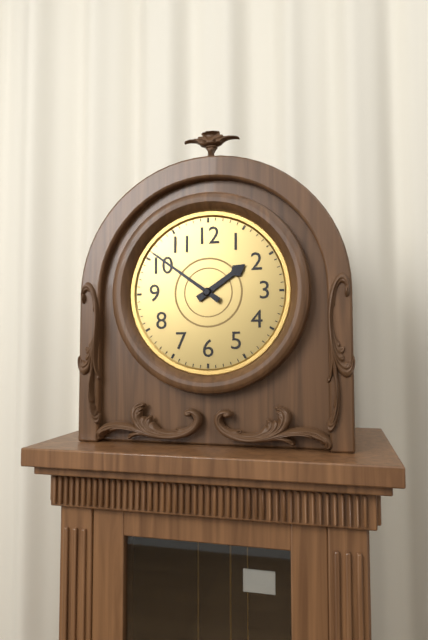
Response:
1,51
